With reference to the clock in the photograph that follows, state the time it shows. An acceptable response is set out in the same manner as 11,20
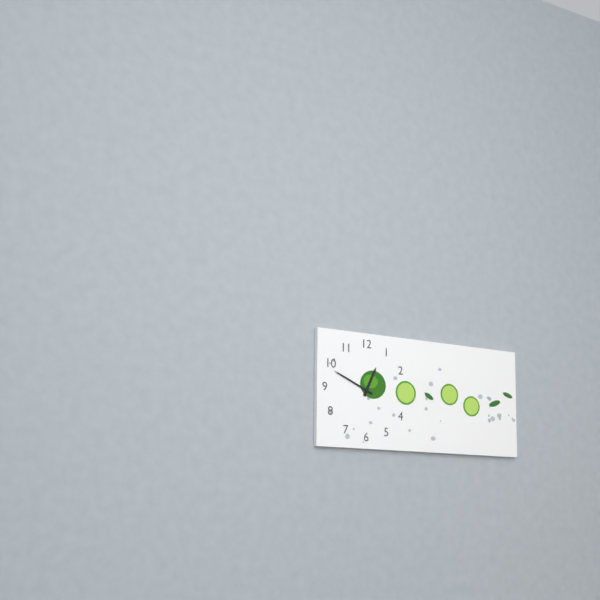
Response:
12,49
